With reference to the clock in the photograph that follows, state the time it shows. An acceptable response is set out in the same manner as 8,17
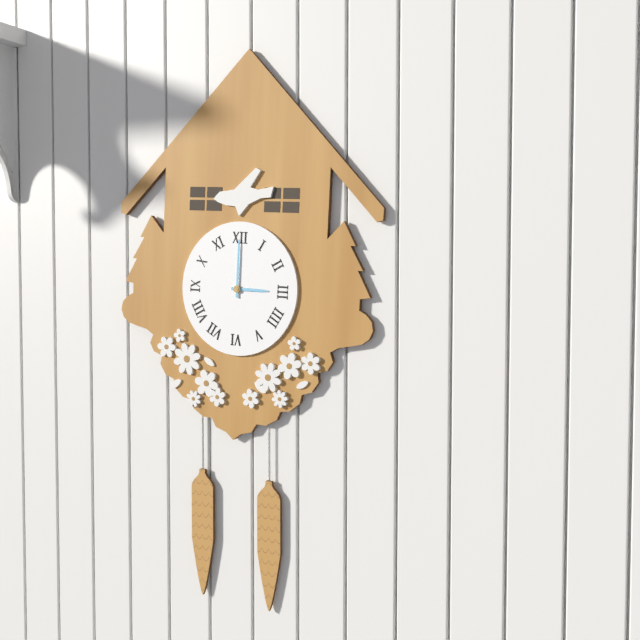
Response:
3,00
